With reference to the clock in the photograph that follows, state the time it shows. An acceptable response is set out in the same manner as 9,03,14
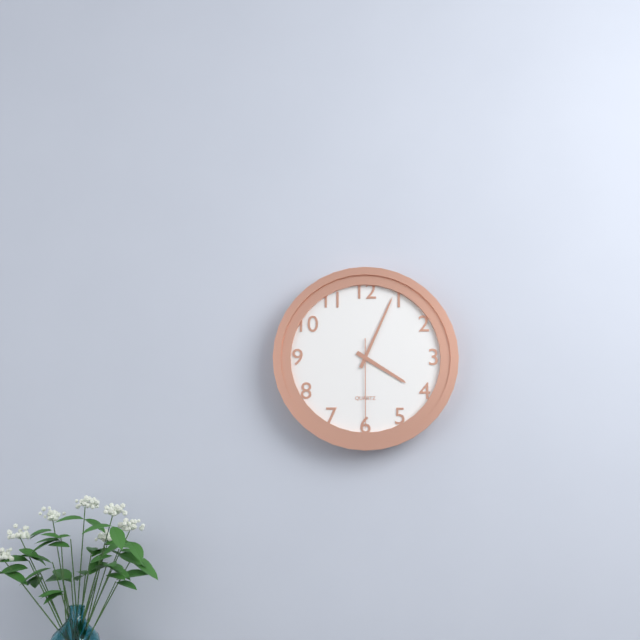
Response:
4,04,30
